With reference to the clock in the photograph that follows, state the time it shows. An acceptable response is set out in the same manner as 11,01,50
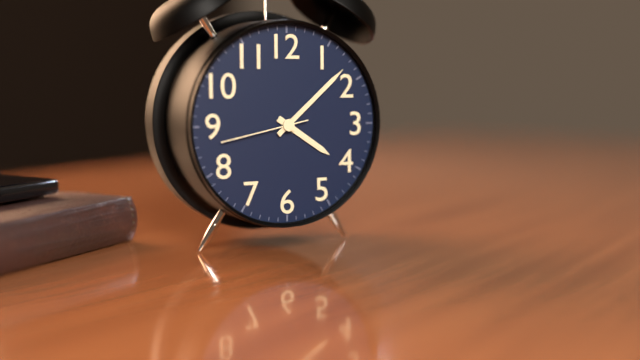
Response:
4,08,43
